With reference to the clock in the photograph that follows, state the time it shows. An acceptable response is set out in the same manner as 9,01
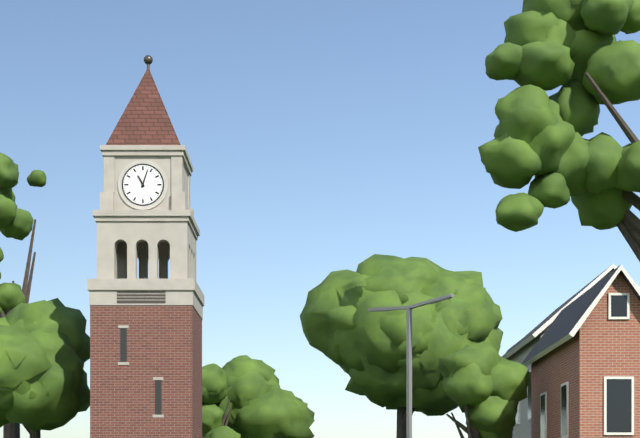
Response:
11,03
